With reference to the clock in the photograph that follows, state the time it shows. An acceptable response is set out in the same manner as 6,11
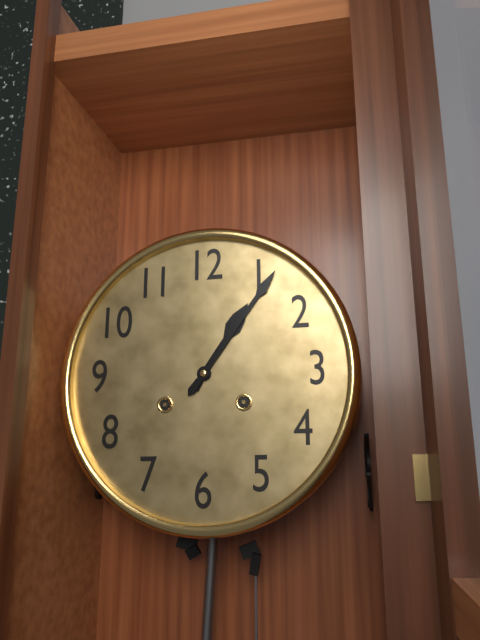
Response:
1,06
